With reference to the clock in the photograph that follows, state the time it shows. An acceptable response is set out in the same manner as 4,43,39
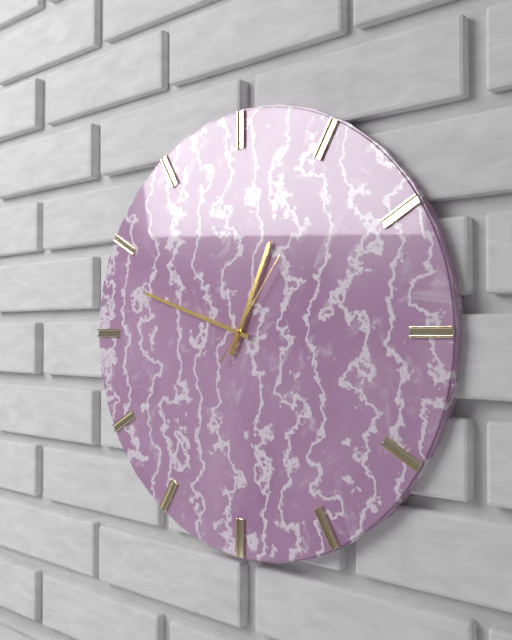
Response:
12,48,06
